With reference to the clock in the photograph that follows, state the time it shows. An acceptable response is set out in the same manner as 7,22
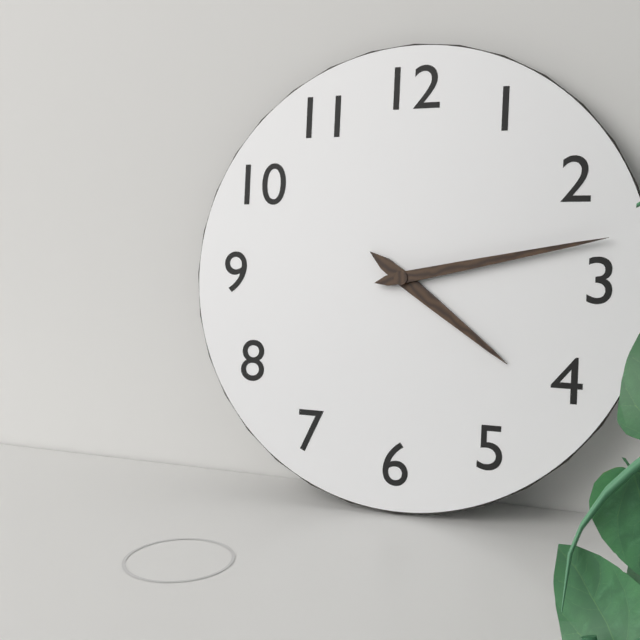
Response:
4,13
